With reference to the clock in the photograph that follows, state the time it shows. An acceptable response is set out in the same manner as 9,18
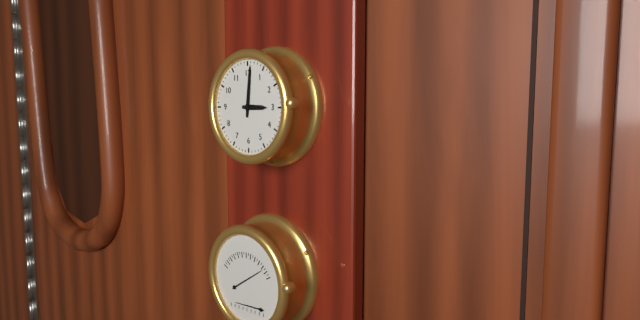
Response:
3,01
